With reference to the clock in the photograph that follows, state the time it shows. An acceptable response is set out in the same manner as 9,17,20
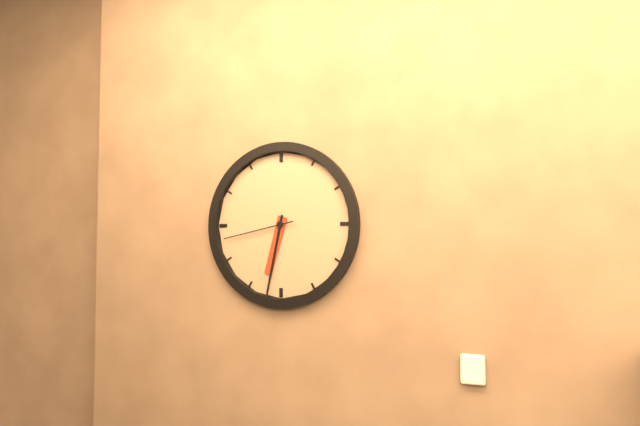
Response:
6,32,43
